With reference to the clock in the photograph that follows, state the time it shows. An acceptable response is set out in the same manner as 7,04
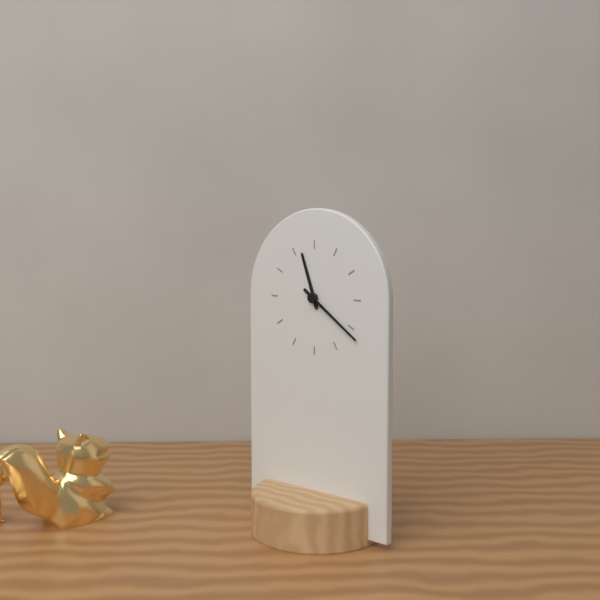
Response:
11,21
